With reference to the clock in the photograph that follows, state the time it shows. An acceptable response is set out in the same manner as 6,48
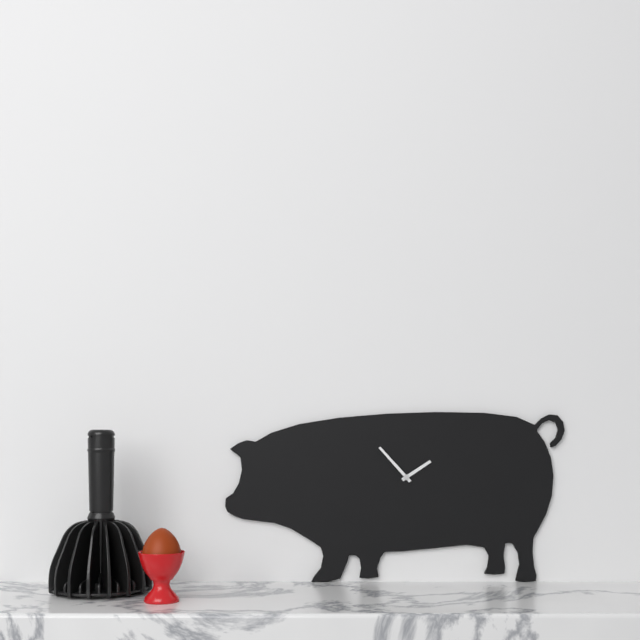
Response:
1,53
